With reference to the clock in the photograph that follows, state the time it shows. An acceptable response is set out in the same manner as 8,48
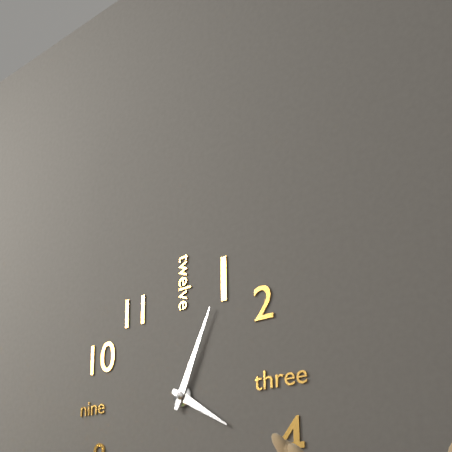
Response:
4,04
